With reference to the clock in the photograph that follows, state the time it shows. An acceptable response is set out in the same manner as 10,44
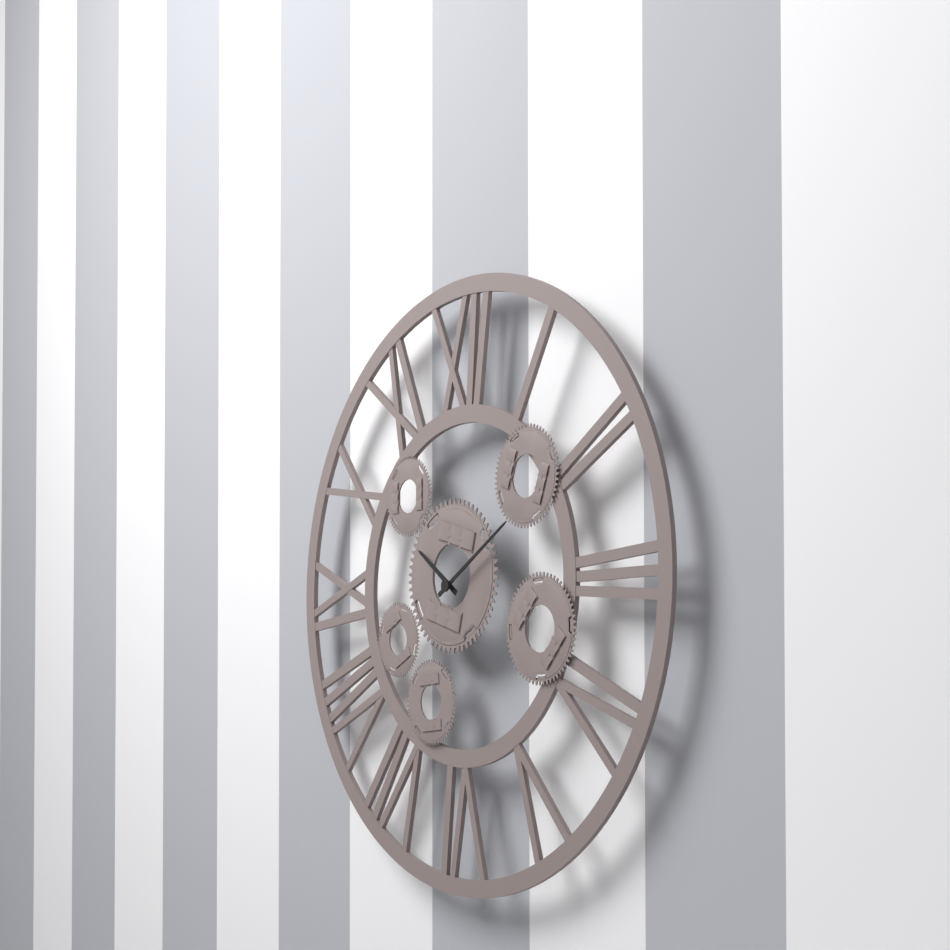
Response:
10,10
